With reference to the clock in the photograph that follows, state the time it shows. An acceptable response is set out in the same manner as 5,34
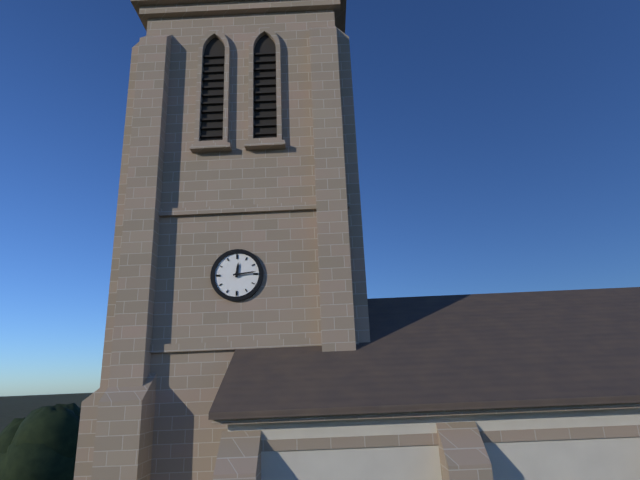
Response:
12,14
